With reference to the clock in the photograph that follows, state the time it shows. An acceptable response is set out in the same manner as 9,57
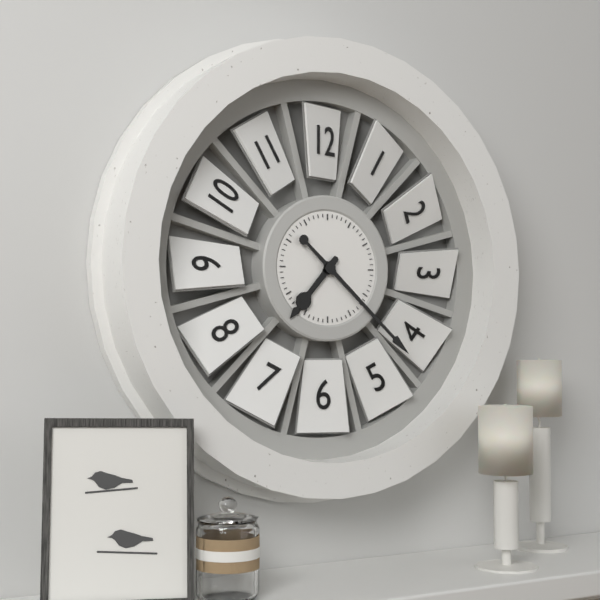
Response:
7,22
